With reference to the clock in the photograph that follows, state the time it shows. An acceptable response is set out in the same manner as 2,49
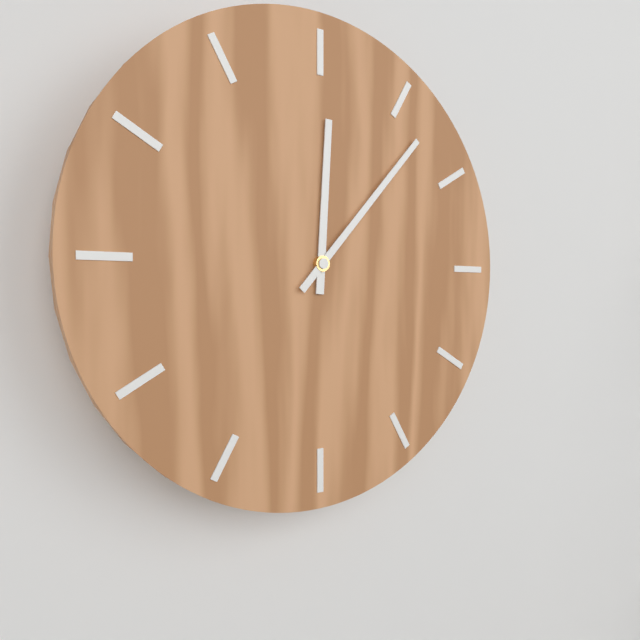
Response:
12,07
